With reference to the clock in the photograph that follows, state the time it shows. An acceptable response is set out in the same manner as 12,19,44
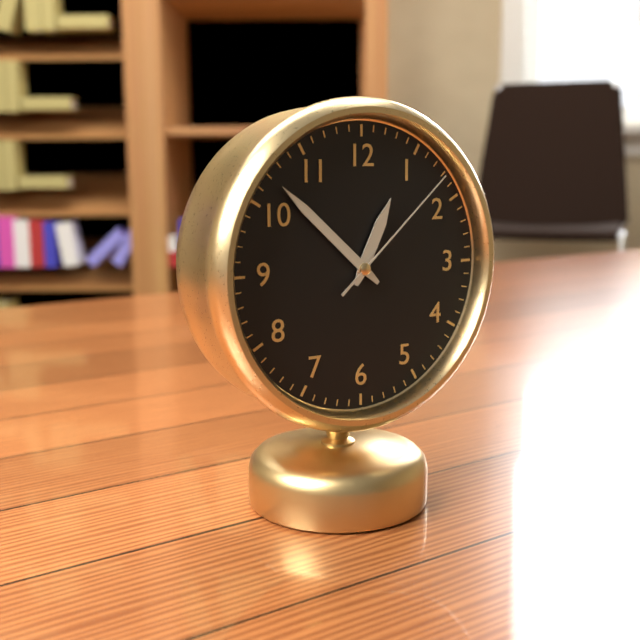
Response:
12,52,08
